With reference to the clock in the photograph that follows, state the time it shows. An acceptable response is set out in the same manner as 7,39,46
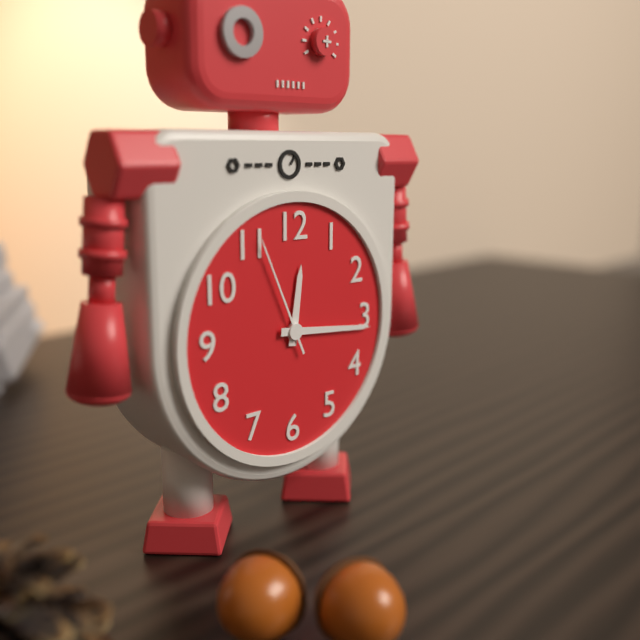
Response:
12,16,56
